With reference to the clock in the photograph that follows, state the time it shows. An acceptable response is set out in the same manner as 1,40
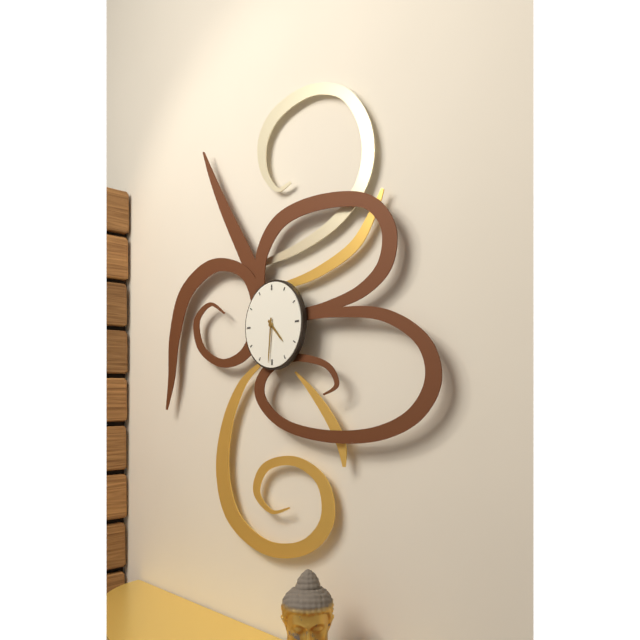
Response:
4,31
